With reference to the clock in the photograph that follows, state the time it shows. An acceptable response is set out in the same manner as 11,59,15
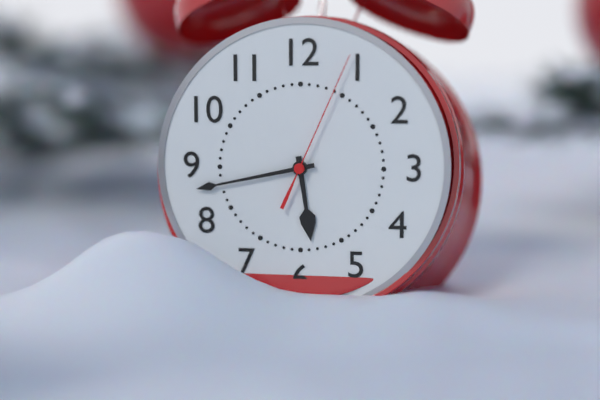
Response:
5,43,04
